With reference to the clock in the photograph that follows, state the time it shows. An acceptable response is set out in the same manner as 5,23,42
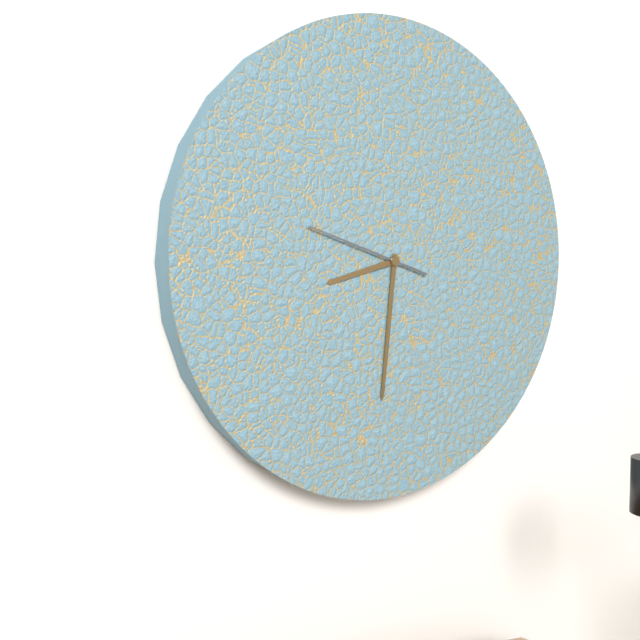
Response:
8,31,48
